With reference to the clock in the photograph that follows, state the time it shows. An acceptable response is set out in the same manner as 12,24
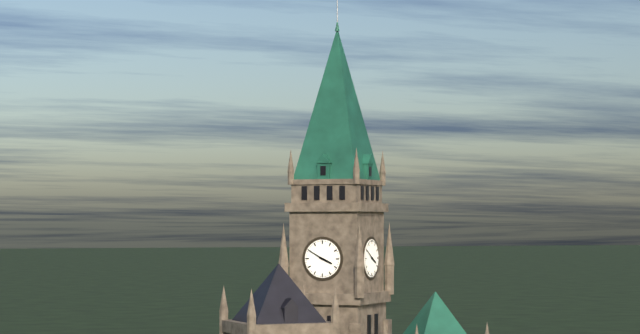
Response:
3,50
